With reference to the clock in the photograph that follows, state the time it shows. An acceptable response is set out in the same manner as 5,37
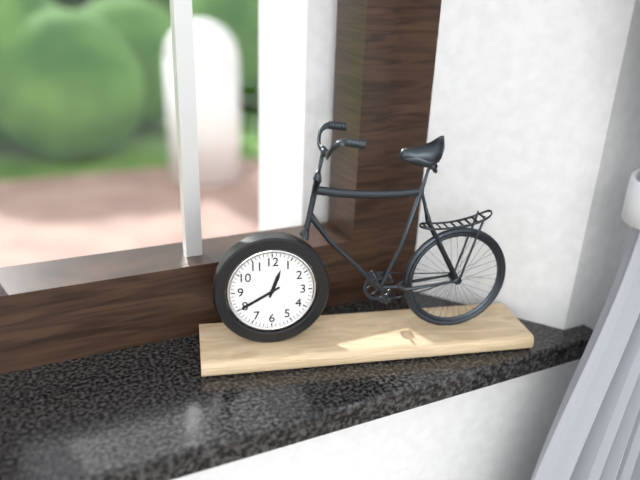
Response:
12,40
